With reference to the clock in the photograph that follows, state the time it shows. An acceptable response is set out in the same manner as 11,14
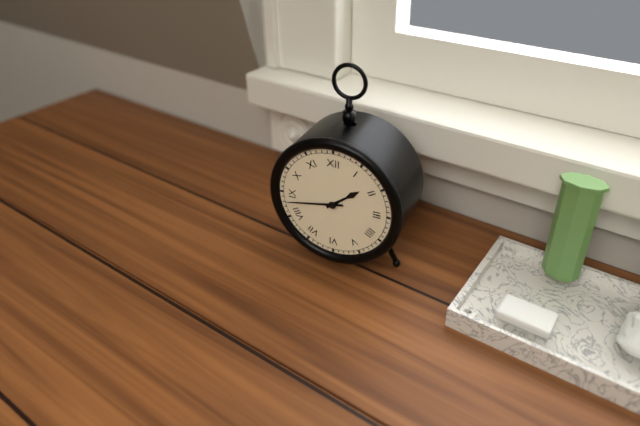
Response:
1,43
